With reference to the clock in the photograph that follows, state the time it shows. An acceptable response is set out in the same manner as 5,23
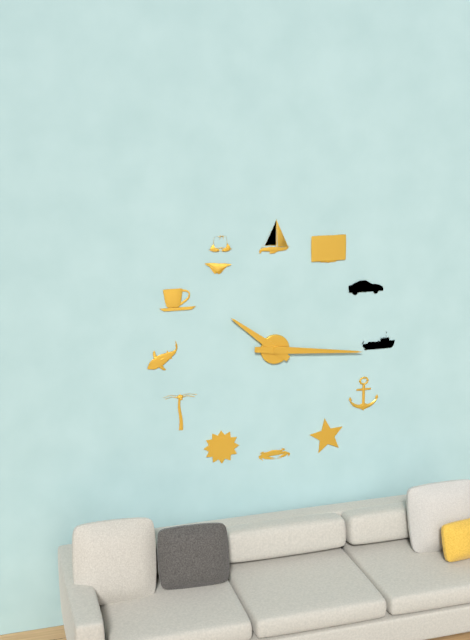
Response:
10,16
